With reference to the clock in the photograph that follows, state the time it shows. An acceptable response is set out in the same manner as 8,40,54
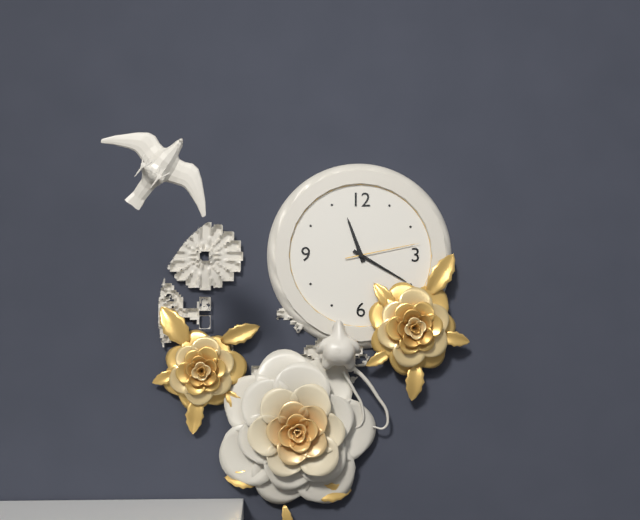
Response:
11,20,13
